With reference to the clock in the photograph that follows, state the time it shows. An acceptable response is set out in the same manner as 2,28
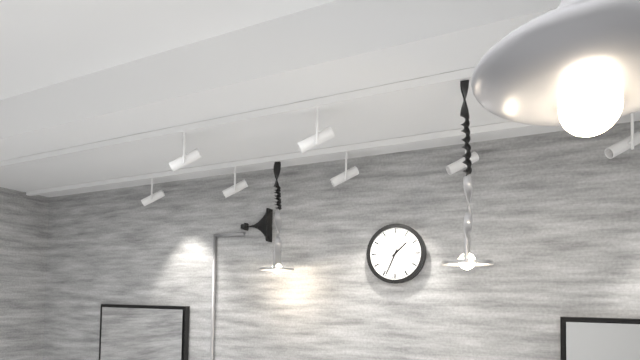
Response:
1,34
